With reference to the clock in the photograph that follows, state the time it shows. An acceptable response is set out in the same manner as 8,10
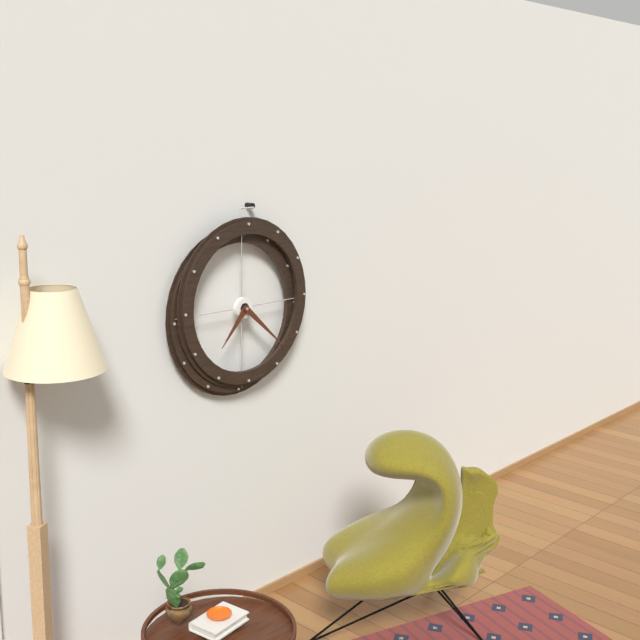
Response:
7,22
